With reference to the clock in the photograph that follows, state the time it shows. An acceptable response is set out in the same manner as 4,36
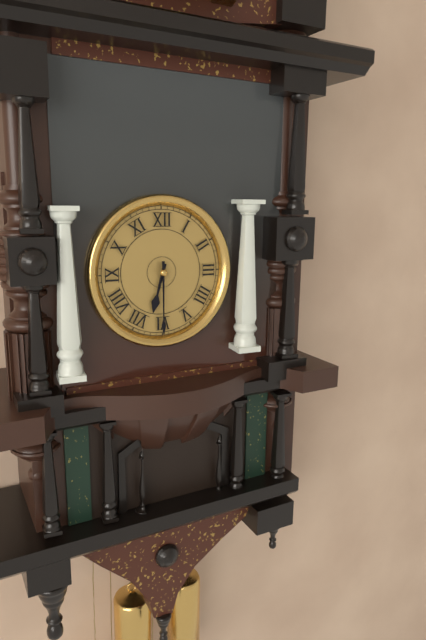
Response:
6,30
